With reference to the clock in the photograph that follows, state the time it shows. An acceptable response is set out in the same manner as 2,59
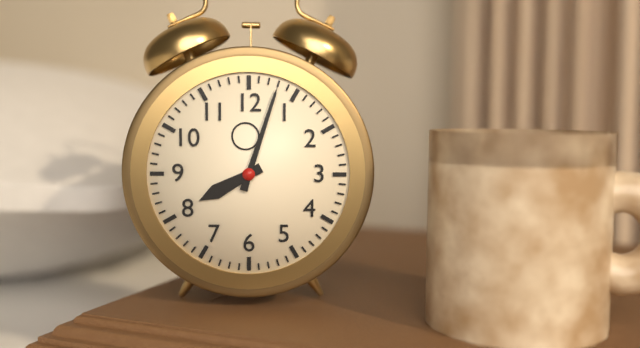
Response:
8,03
